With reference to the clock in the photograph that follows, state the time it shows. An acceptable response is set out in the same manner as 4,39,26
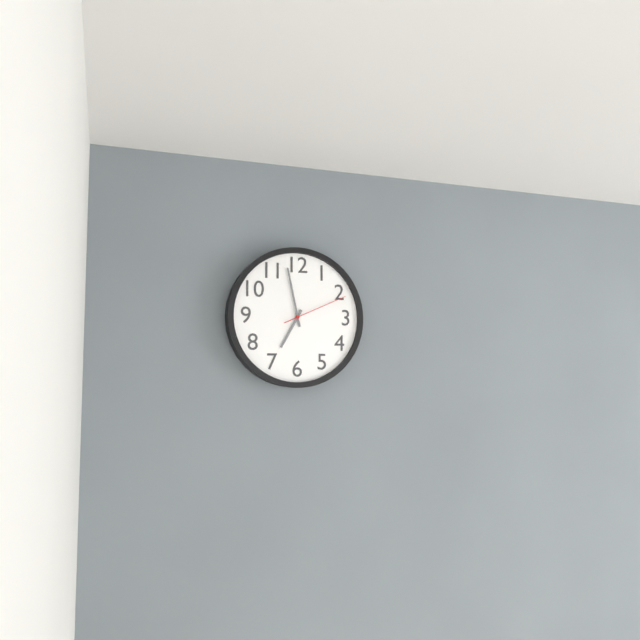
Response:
6,58,11
